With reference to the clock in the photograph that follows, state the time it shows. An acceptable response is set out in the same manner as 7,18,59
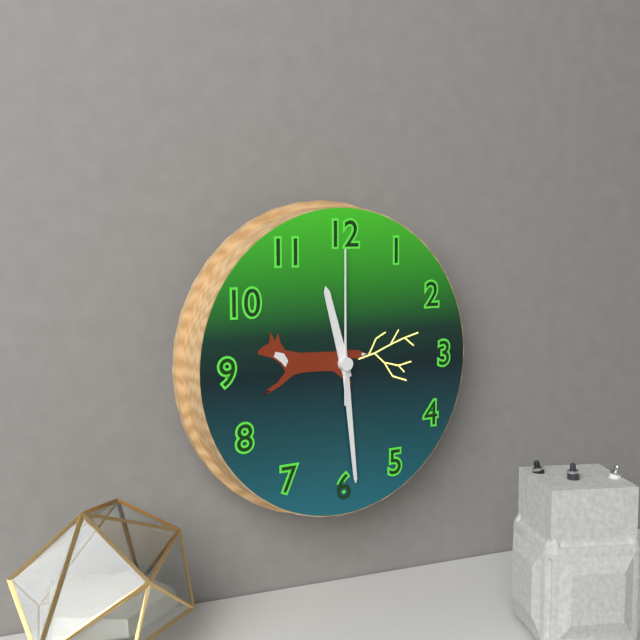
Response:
11,29,00
